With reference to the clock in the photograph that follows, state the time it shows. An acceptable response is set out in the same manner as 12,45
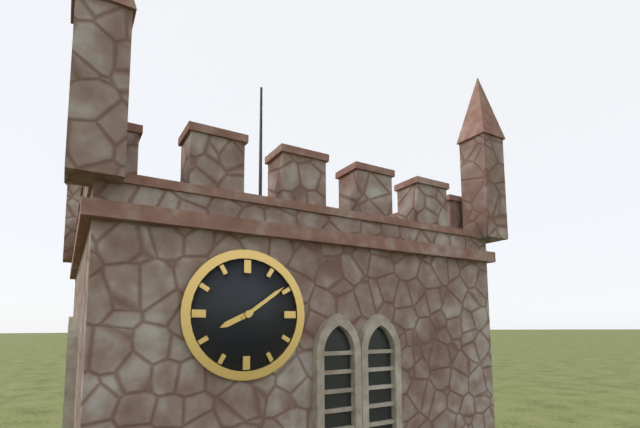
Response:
8,09
